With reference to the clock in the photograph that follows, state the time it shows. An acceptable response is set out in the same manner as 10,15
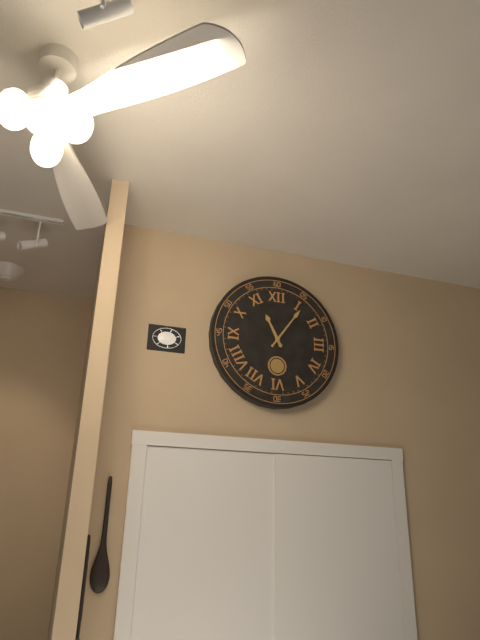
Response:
11,06
